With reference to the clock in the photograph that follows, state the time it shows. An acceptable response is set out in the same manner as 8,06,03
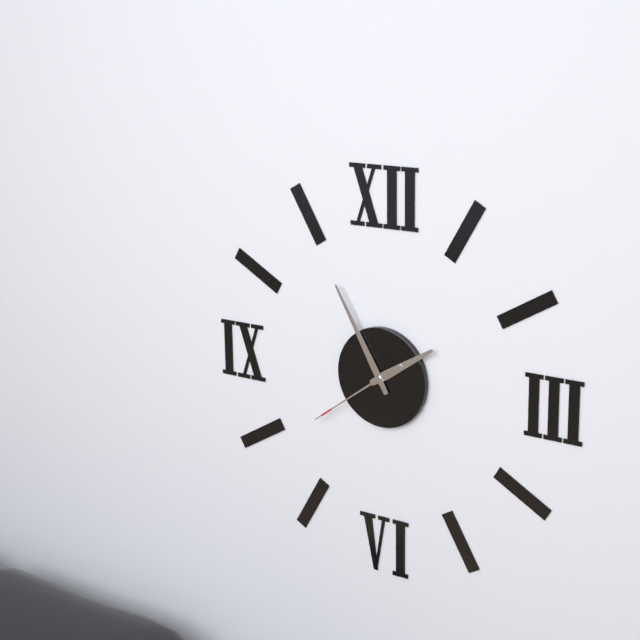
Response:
1,55,39
